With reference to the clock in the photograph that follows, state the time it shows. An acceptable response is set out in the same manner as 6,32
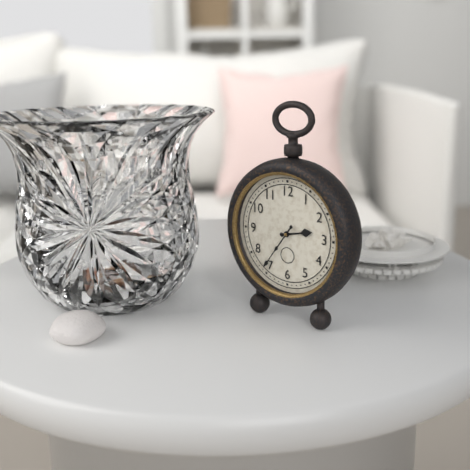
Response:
2,36
